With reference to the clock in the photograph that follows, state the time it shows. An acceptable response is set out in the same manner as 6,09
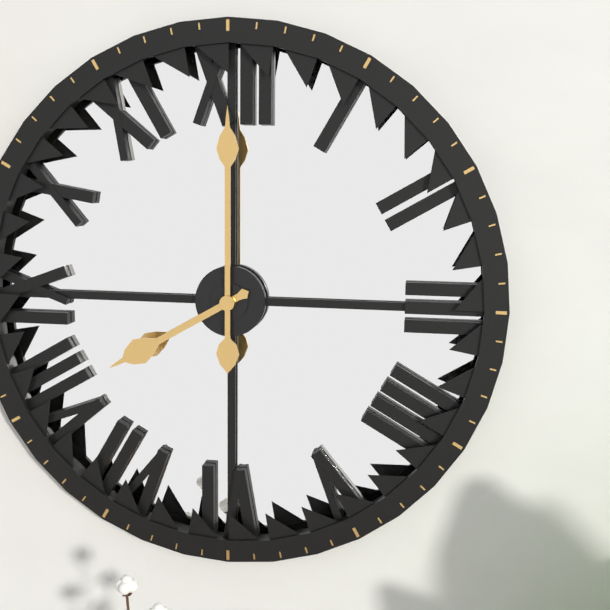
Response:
8,00
